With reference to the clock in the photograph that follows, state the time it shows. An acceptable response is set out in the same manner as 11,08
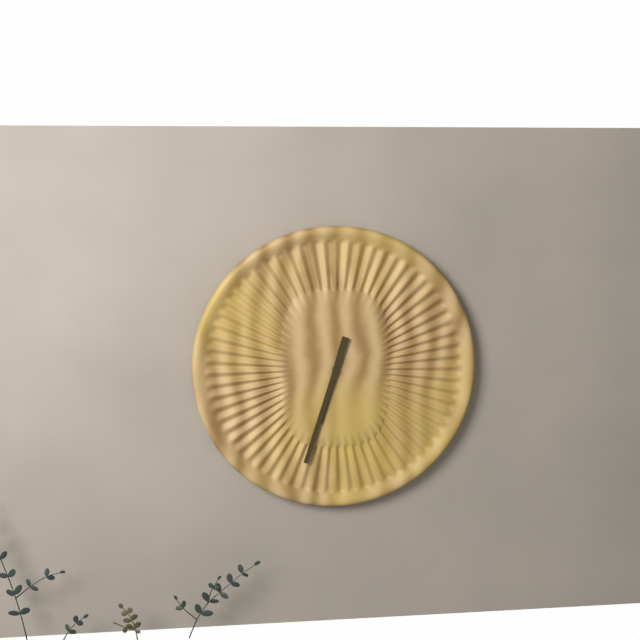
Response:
6,33
